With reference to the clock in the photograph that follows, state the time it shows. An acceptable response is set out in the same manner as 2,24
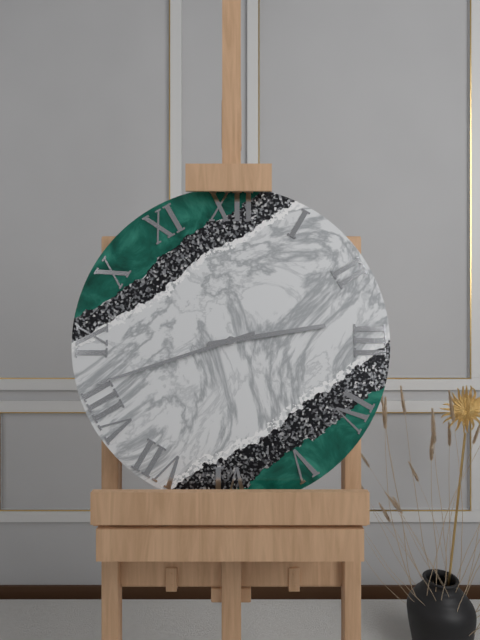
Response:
2,42
